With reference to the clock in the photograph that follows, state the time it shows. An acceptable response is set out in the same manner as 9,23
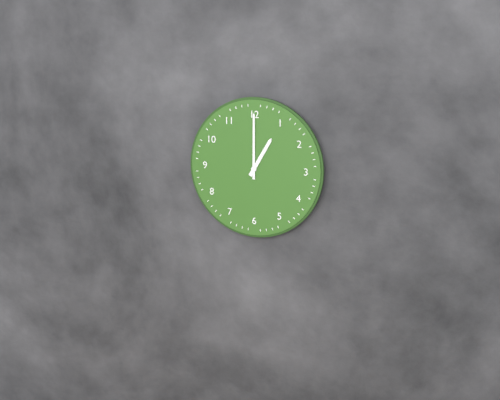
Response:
1,00
